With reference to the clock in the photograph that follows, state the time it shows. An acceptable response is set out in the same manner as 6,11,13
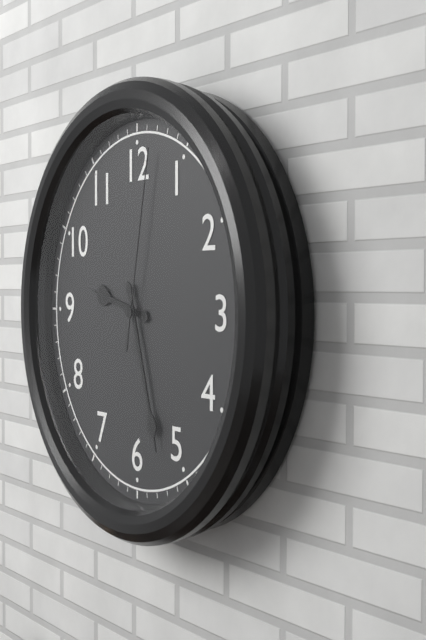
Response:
9,27,02
